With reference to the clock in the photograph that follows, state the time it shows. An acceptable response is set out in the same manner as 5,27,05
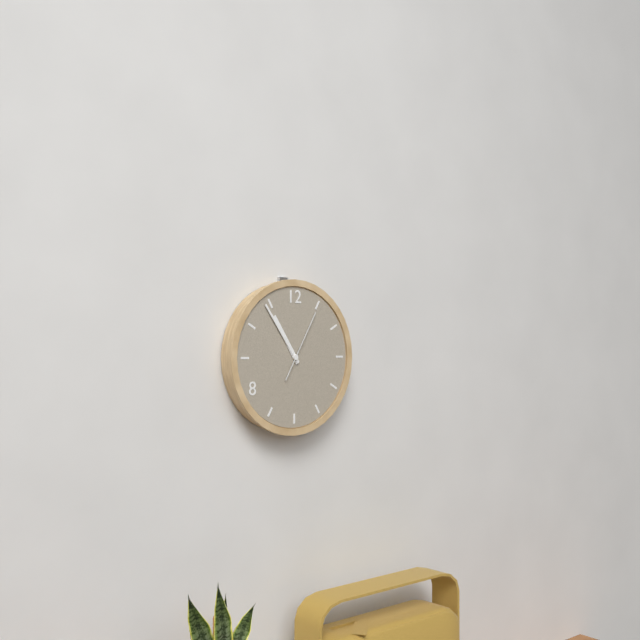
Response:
10,54,05
